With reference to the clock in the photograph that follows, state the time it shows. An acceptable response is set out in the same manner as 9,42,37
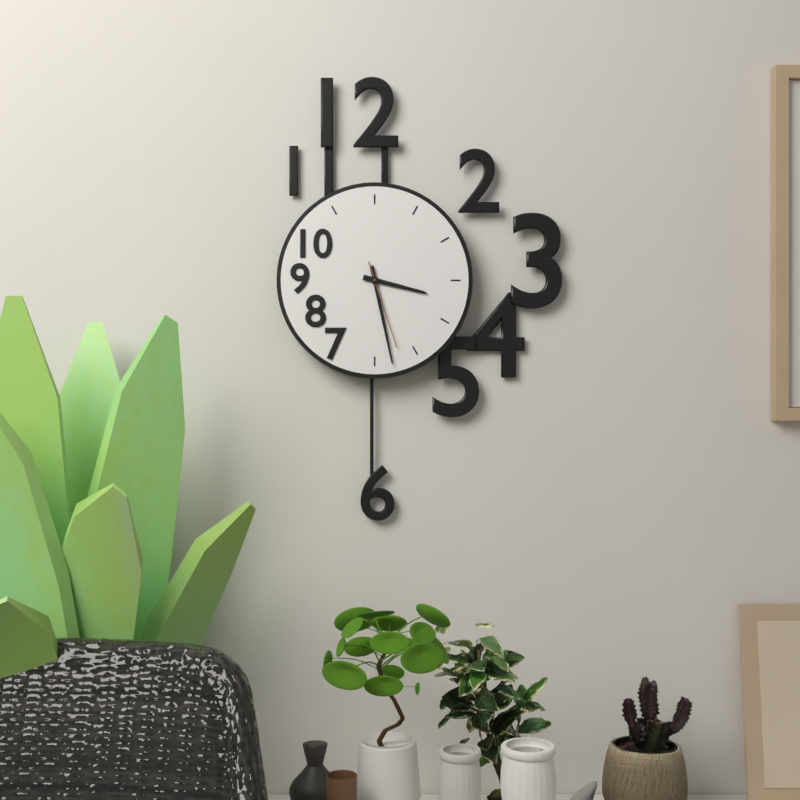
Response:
3,28,27
